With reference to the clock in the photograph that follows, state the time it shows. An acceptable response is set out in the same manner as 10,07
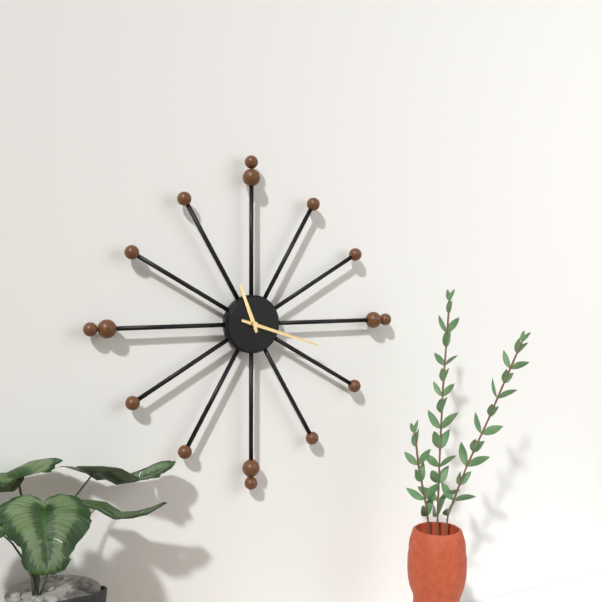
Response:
11,18
